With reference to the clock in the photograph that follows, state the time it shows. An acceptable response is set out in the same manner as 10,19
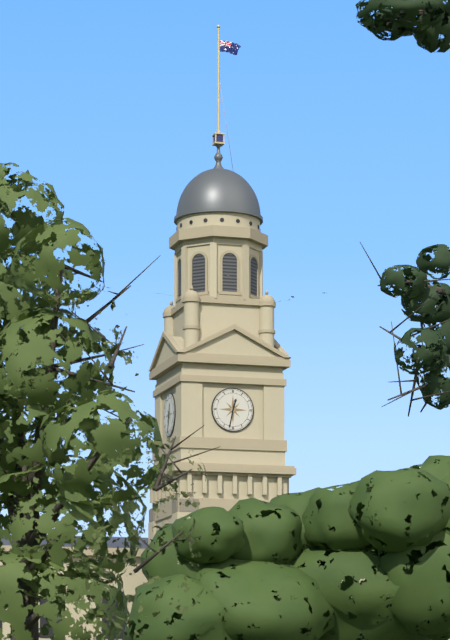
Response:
12,32
